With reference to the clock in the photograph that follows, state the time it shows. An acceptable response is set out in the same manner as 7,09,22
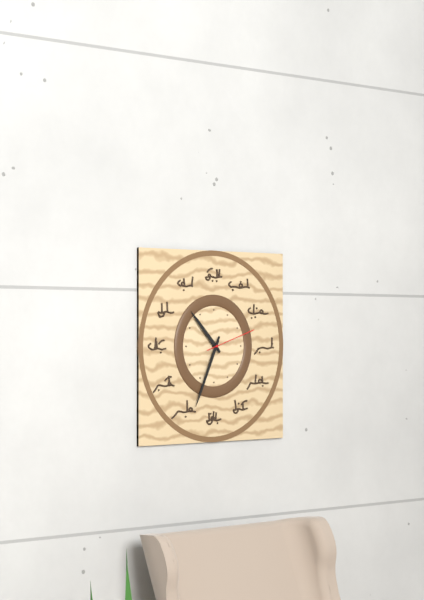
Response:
10,34,12
